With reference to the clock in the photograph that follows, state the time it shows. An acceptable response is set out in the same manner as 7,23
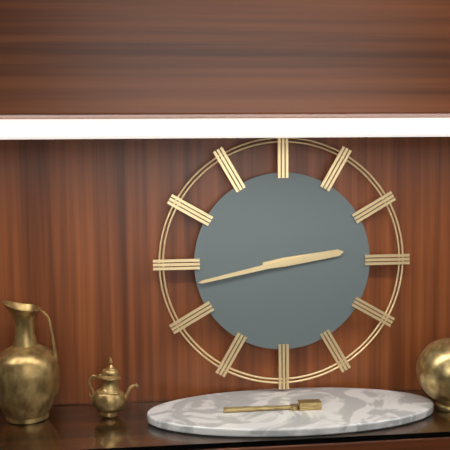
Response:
2,43
